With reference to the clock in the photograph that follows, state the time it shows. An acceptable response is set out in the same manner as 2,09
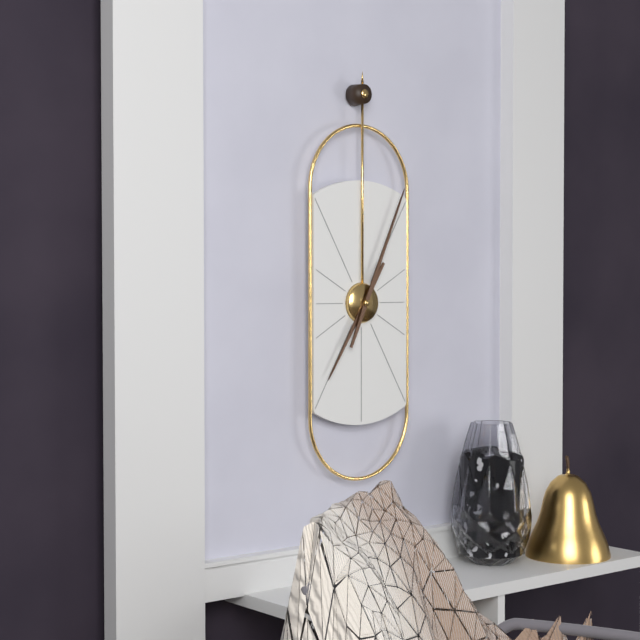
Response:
7,04
